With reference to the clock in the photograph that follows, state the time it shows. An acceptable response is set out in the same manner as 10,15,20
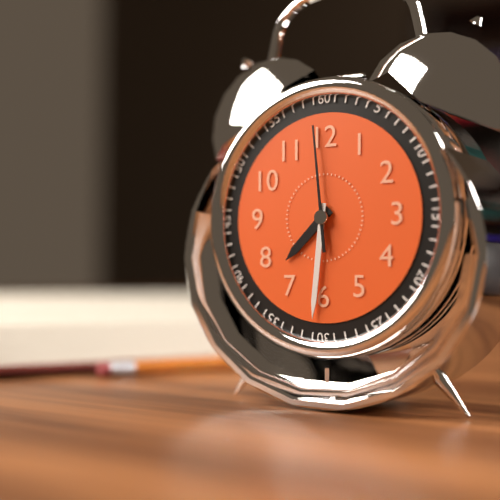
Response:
7,31,59
